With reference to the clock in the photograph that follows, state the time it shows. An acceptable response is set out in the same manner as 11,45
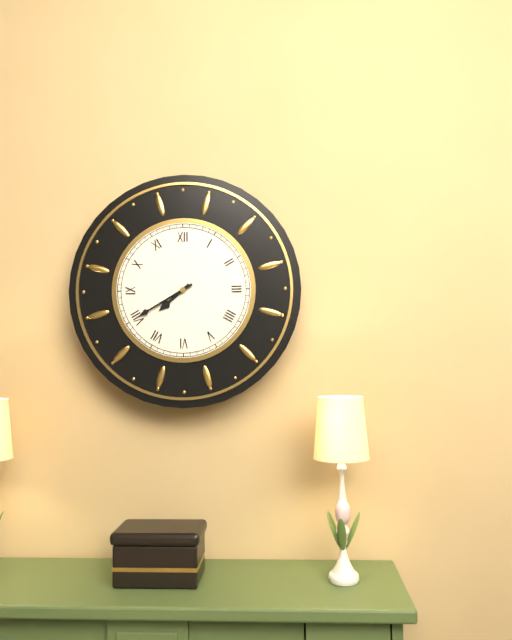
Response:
7,40
